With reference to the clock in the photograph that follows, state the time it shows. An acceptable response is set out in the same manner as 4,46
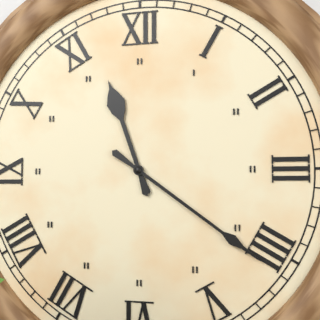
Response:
11,21
